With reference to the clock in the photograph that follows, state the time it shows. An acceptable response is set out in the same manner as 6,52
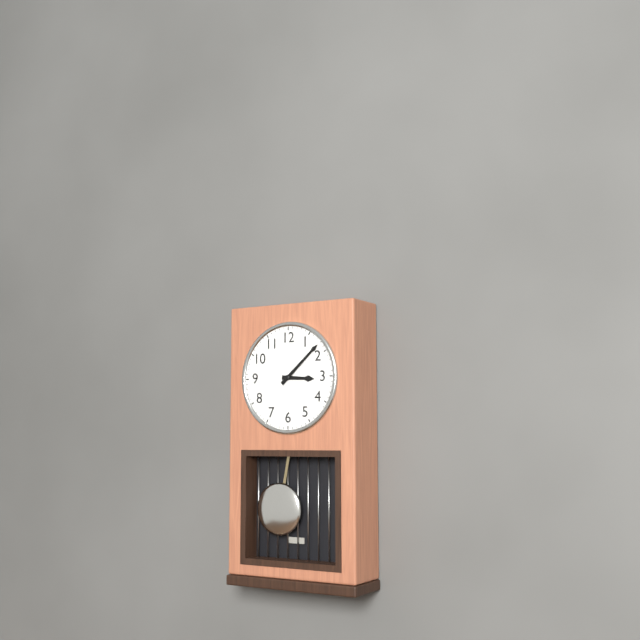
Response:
3,08
